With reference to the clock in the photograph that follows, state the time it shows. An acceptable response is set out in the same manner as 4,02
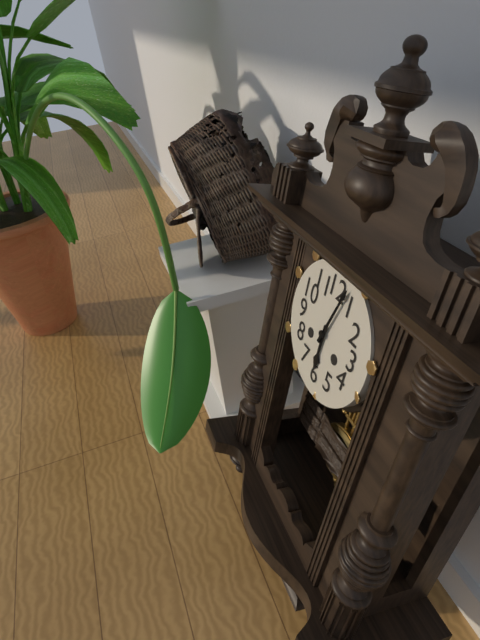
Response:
6,03
